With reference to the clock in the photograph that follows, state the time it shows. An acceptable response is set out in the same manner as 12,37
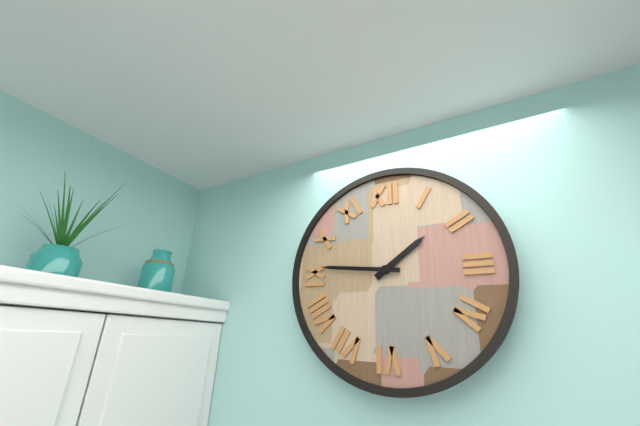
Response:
1,46
